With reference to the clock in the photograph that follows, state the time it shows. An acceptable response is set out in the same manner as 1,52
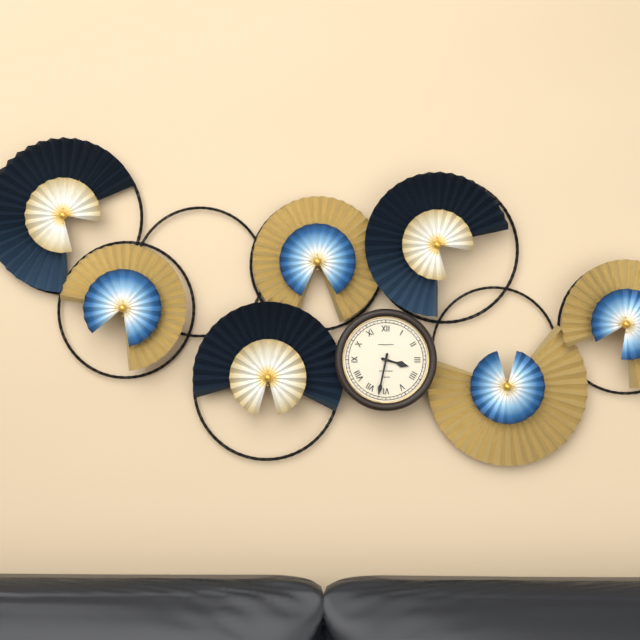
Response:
3,32
